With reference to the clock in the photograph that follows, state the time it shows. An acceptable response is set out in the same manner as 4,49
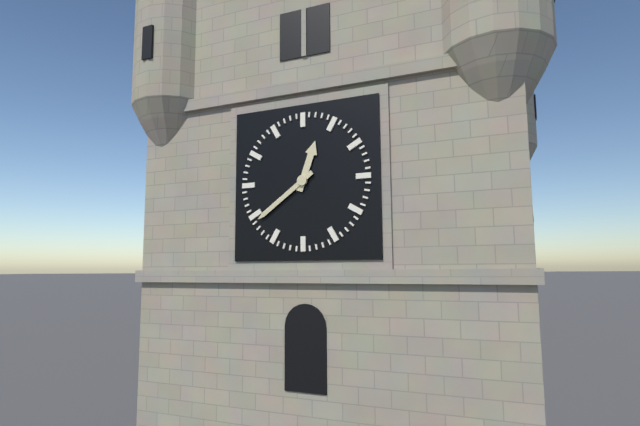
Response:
12,39
